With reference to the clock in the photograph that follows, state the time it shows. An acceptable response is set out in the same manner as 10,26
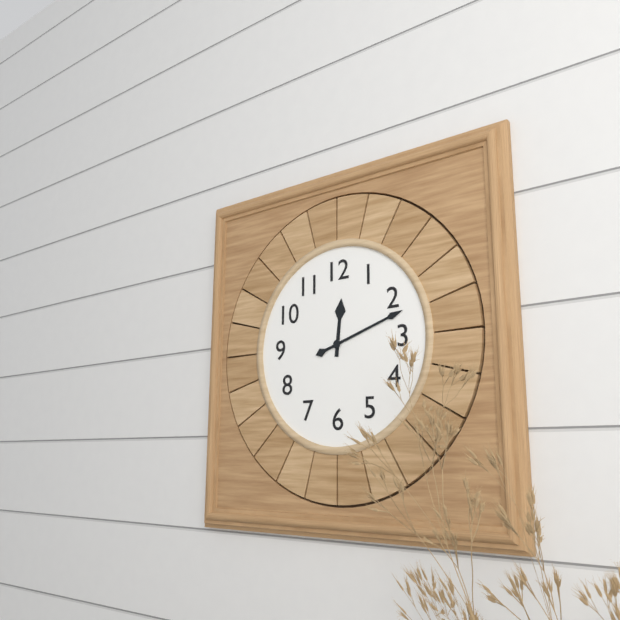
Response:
12,12
